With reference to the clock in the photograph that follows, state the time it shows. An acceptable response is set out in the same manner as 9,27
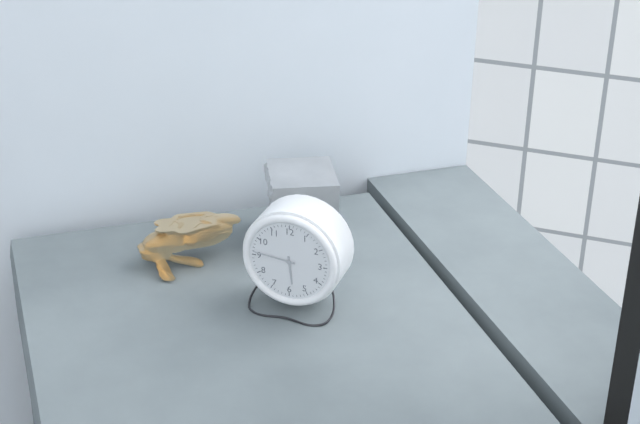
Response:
5,46
